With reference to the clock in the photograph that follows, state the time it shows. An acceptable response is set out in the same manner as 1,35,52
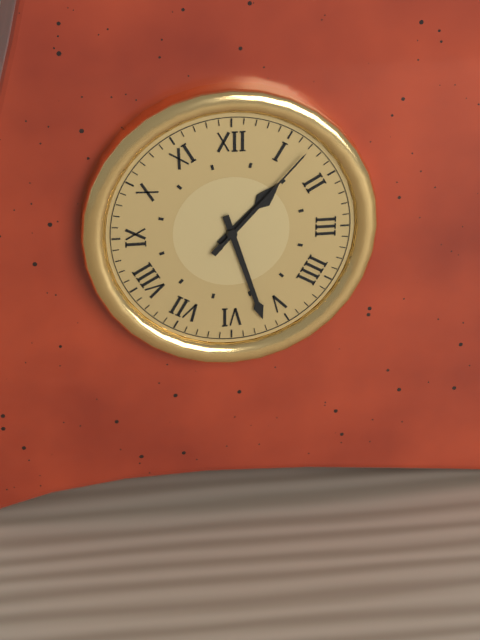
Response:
1,27,07
